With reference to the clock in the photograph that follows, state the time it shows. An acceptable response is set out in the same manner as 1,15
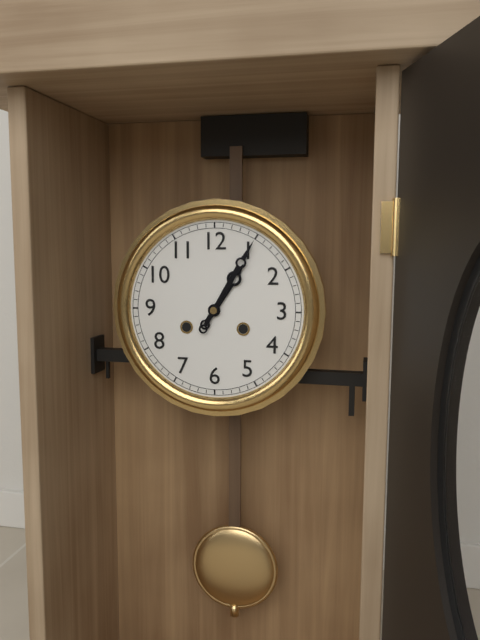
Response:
1,05
